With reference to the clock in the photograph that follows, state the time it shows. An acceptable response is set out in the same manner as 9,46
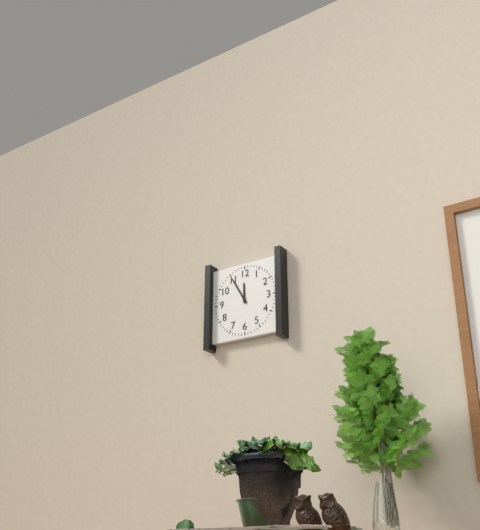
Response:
11,55
